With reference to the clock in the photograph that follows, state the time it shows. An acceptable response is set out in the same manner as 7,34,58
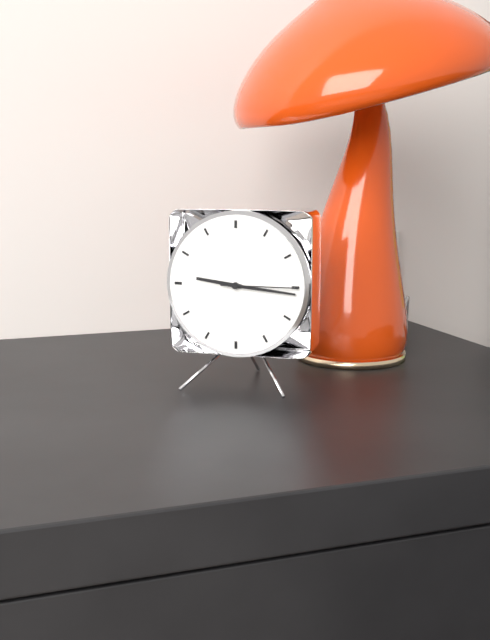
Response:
9,16,15
